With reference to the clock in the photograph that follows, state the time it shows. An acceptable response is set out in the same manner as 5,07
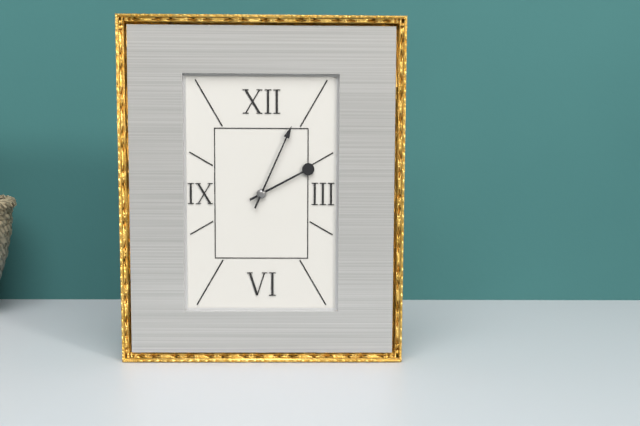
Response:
2,04
